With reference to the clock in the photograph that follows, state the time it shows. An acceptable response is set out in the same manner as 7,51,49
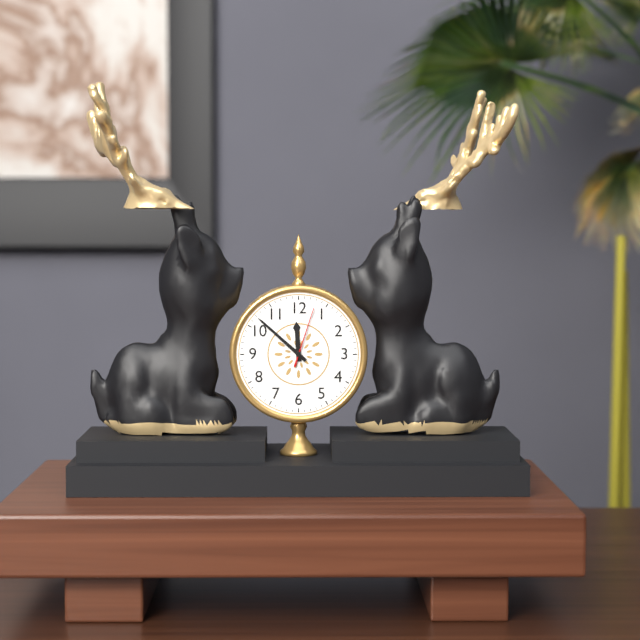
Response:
11,52,03
